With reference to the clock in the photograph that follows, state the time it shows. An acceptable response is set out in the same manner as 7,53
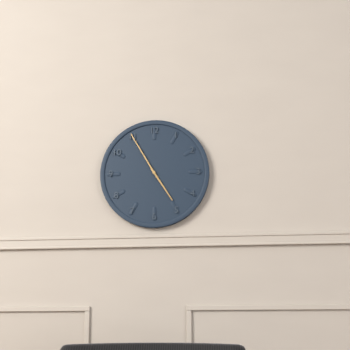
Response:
4,55
